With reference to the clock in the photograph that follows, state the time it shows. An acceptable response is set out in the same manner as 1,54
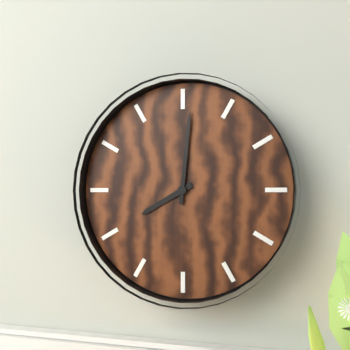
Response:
8,01
